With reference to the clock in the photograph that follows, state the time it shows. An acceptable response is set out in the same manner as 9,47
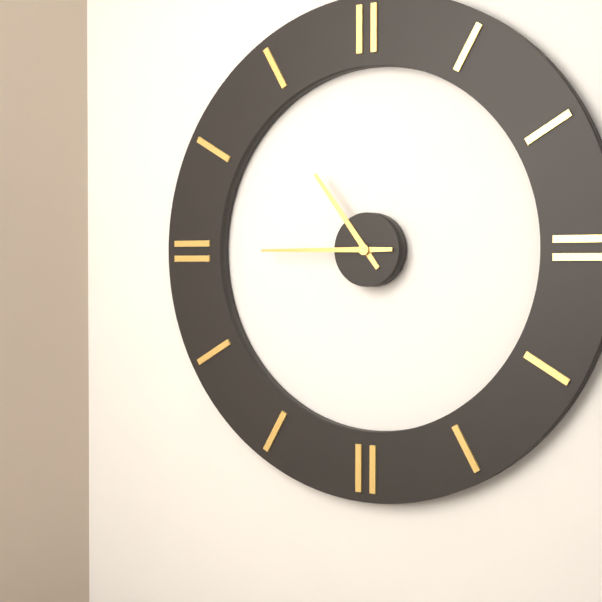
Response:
10,45
